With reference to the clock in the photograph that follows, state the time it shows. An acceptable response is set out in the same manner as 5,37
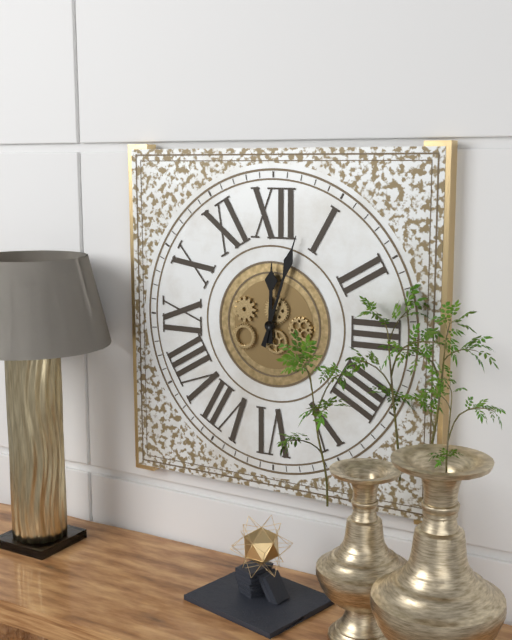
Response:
12,03
